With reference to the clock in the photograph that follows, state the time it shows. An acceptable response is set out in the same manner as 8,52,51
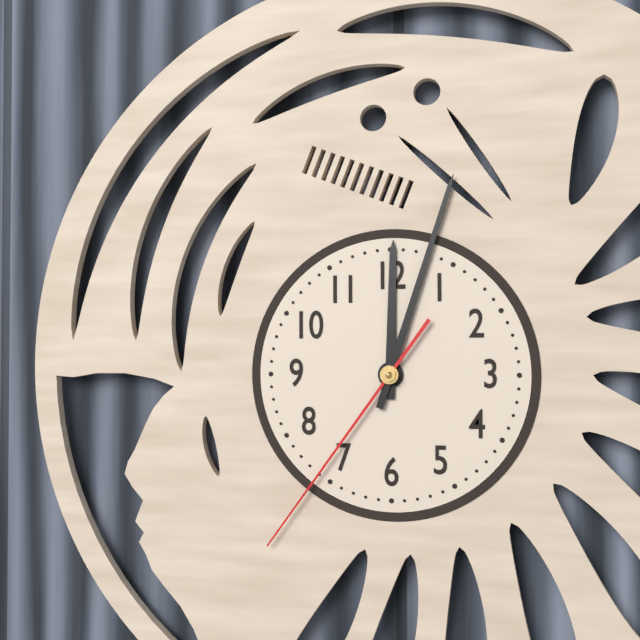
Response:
12,03,36
